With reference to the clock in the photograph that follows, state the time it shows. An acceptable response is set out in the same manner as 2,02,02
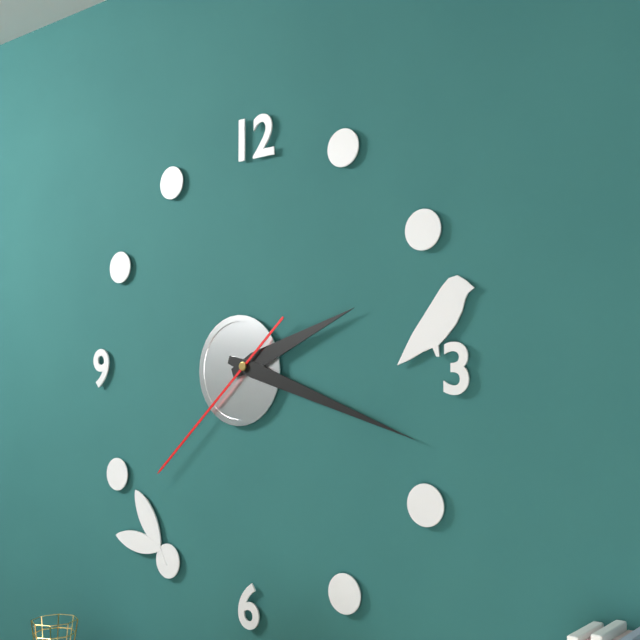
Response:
2,18,38
